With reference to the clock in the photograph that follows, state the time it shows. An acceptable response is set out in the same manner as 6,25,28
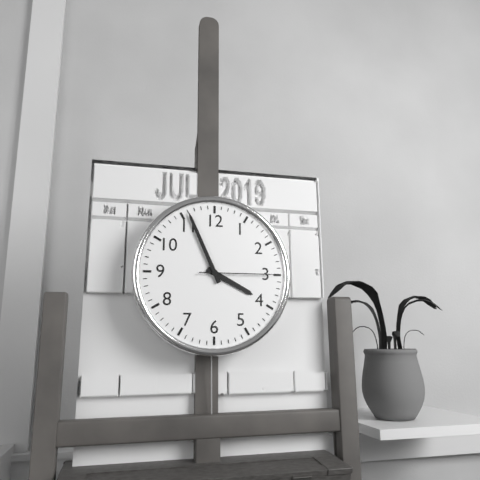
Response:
3,56,15
